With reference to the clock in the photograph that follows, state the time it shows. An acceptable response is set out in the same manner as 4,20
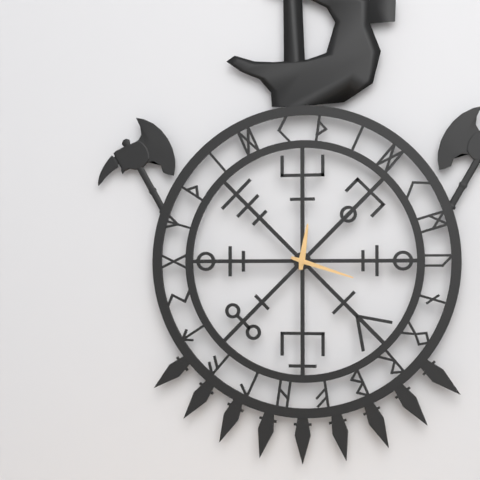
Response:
12,18
